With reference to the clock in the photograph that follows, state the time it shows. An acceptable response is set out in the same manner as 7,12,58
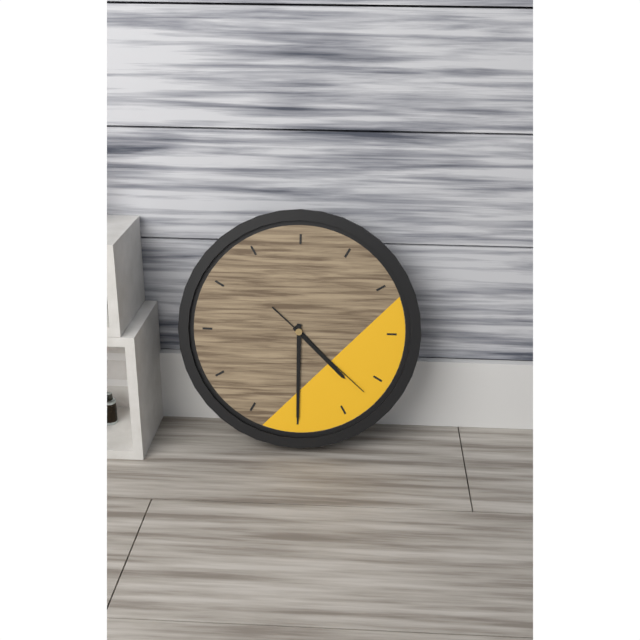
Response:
4,30,22
